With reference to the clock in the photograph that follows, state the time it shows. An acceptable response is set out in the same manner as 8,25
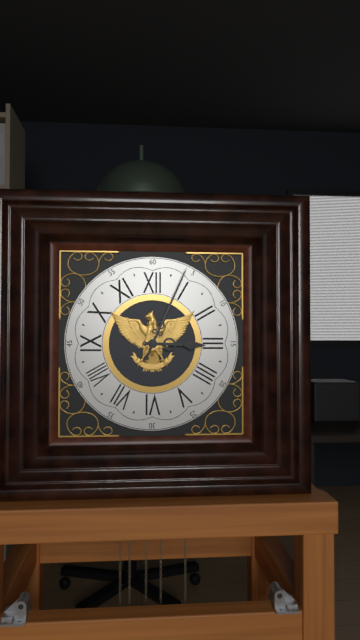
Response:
3,04
